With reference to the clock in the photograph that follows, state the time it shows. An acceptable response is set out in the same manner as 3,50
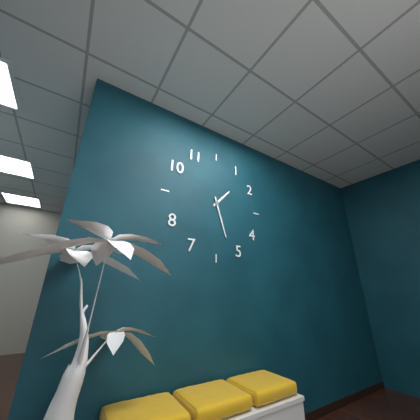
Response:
1,27
